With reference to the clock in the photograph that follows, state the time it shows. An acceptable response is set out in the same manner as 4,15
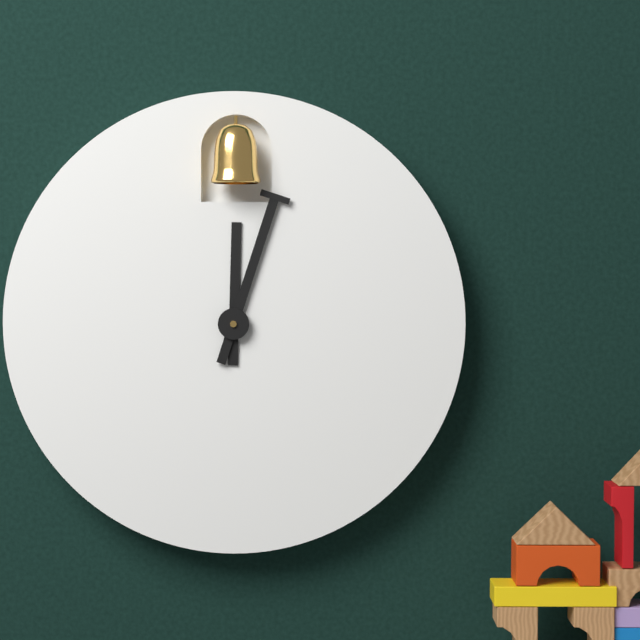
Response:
12,03
